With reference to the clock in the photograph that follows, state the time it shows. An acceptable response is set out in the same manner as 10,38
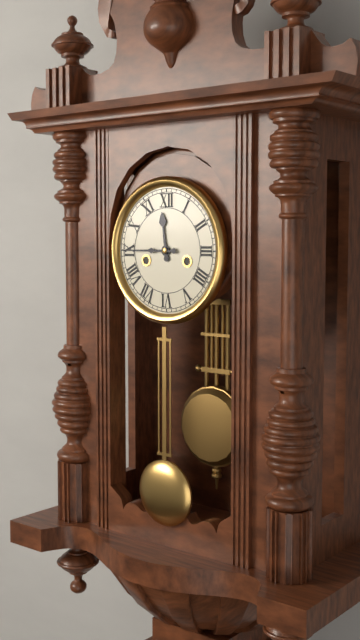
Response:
11,45
